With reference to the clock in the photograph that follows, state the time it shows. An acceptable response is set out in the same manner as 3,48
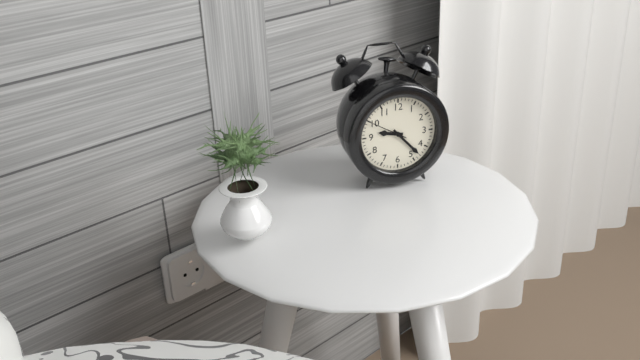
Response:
9,23
